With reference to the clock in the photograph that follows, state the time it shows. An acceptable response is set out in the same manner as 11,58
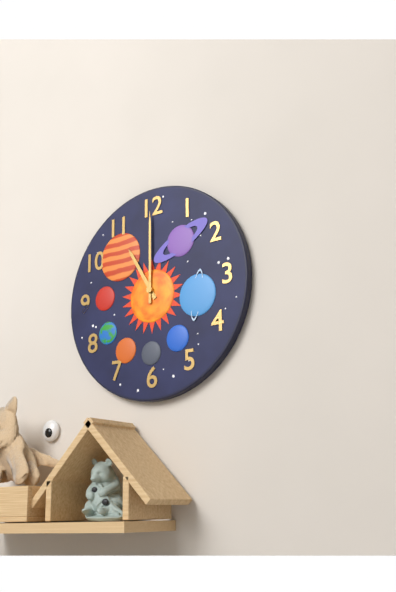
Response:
11,00
